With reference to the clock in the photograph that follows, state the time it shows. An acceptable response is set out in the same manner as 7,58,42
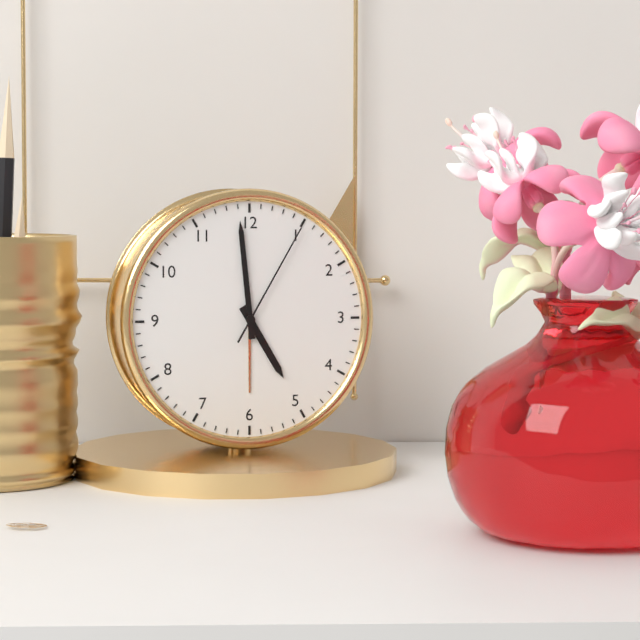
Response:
4,59,05
